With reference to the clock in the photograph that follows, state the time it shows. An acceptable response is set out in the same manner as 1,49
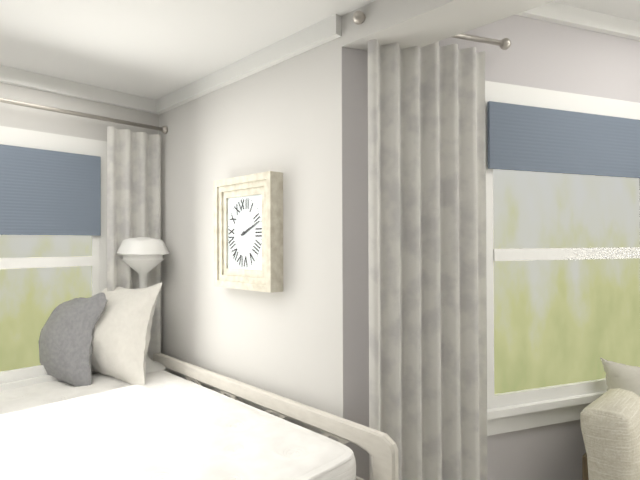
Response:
2,11
